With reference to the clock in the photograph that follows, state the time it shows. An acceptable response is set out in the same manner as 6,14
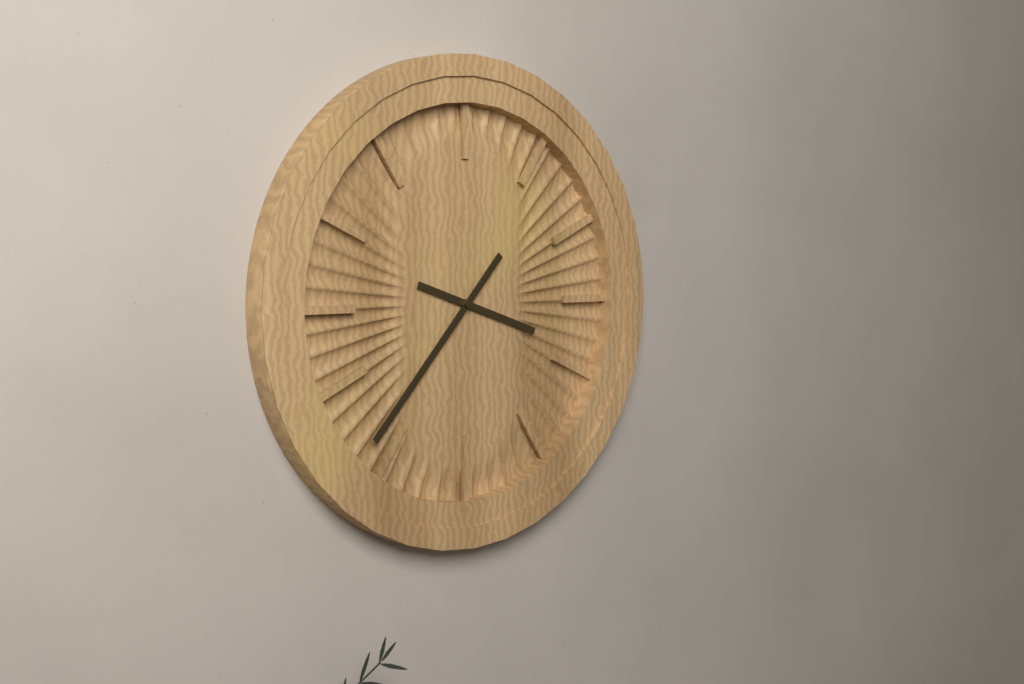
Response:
3,37
